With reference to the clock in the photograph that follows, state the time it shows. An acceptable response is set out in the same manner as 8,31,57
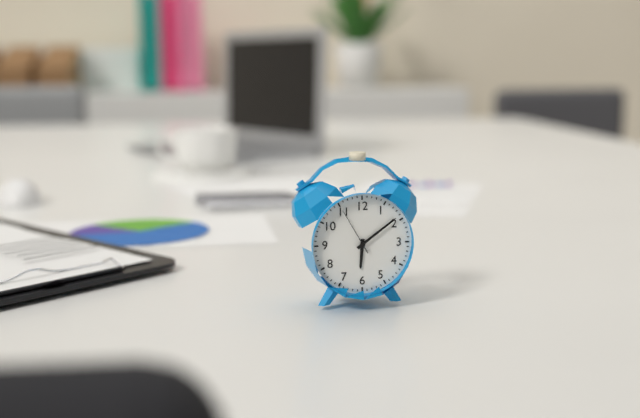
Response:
6,09,55
